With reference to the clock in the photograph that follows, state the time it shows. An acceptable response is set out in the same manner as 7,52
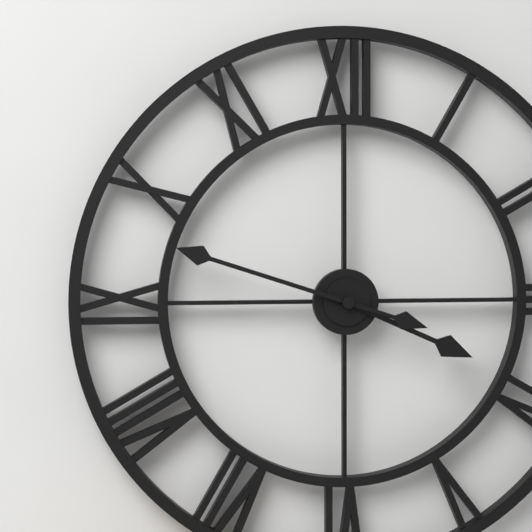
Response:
3,48
